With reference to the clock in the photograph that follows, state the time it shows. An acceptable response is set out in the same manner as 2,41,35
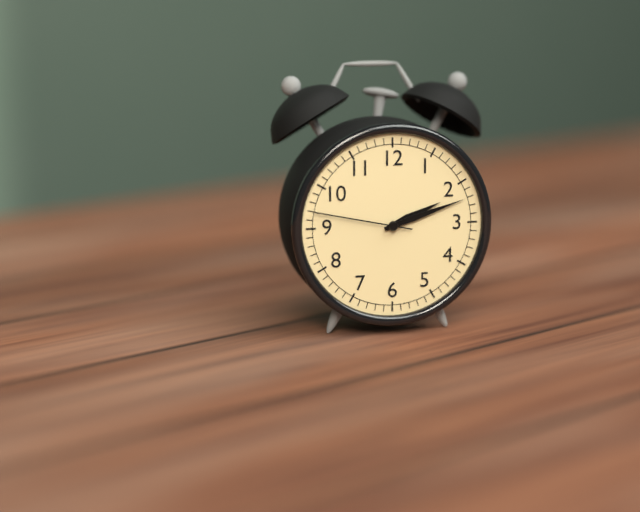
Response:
2,12,47
